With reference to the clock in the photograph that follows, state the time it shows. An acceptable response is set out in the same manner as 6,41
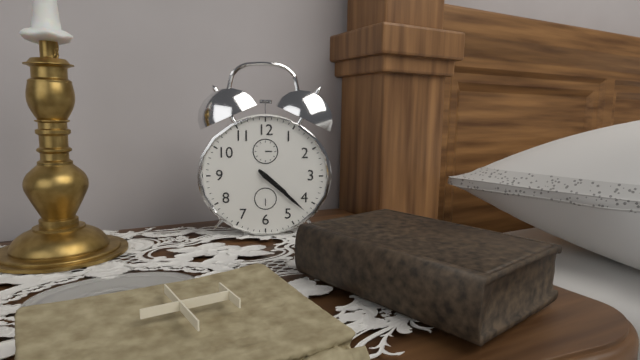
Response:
4,22
